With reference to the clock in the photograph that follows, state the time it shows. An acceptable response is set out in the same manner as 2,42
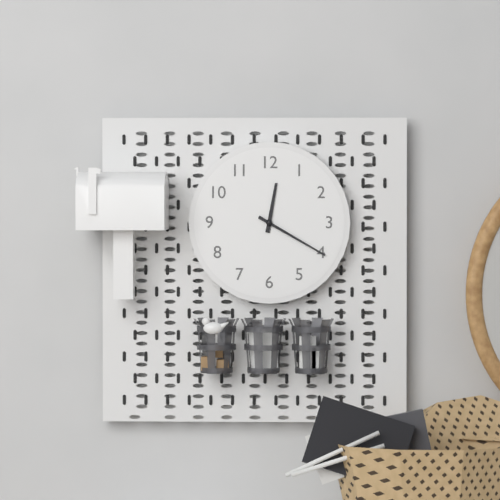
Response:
12,20
